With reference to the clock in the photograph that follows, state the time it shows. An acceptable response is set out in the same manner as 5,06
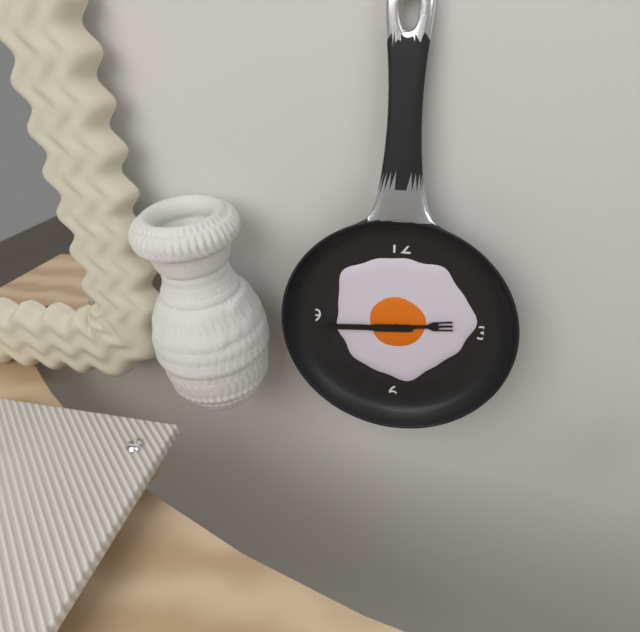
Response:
2,44
